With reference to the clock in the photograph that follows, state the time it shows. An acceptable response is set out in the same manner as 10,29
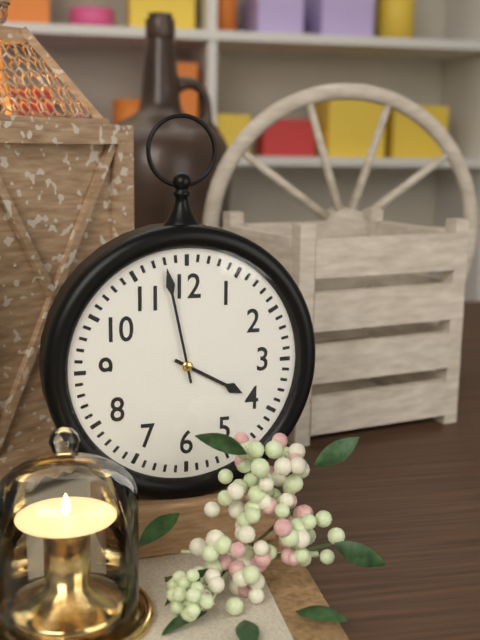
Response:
3,58
